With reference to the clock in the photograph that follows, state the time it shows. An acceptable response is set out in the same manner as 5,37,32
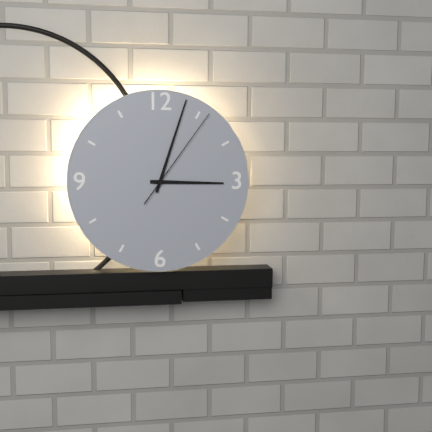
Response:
3,03,06
